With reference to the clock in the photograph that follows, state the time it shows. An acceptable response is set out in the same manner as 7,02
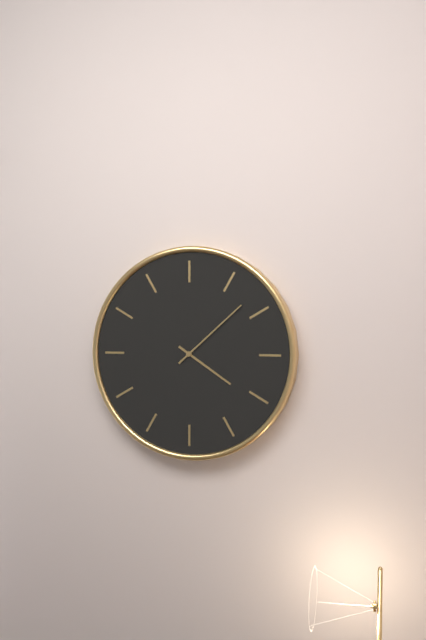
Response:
4,08
